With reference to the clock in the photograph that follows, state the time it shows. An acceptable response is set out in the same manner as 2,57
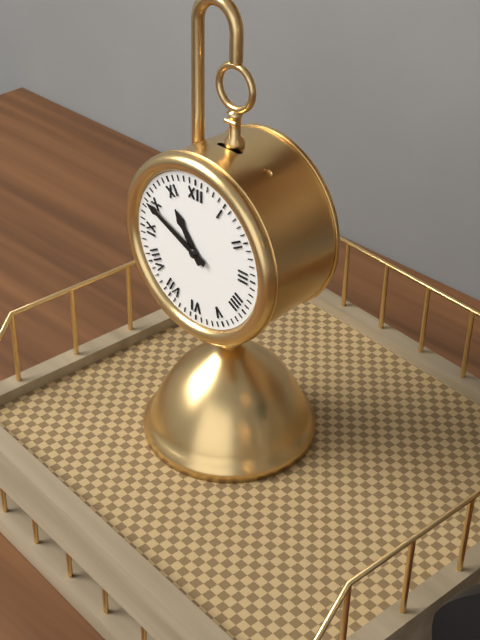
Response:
10,49
